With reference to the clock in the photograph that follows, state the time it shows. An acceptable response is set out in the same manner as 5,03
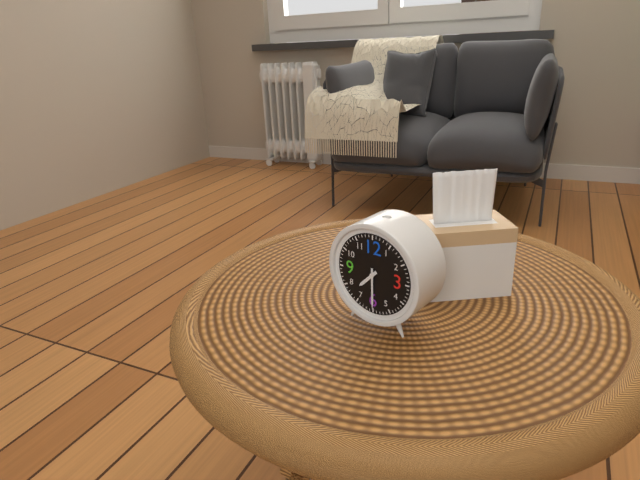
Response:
7,30
